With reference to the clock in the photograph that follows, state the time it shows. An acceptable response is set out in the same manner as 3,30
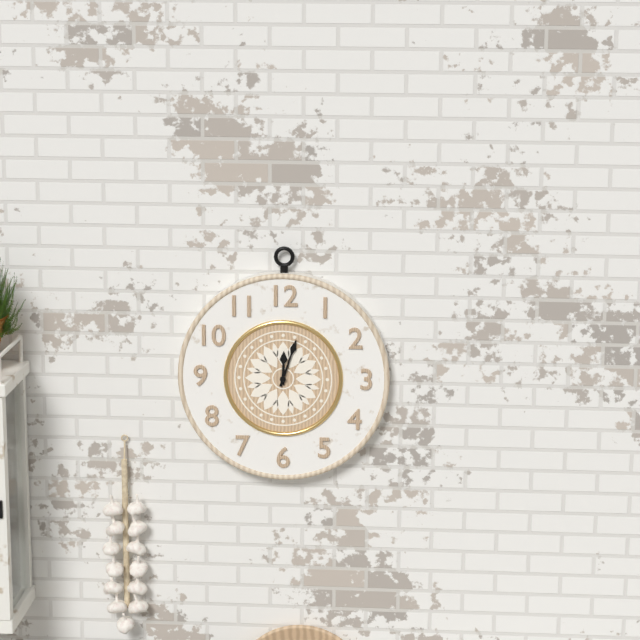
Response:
12,03
